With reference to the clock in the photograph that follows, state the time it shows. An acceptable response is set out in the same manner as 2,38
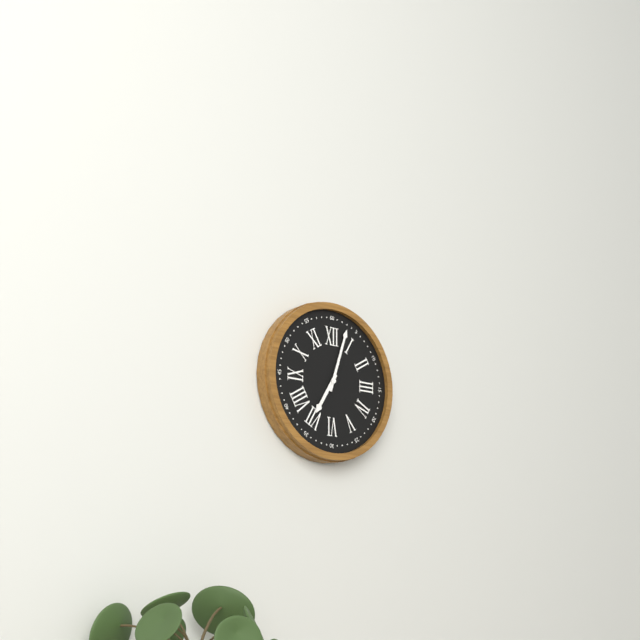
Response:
7,03
